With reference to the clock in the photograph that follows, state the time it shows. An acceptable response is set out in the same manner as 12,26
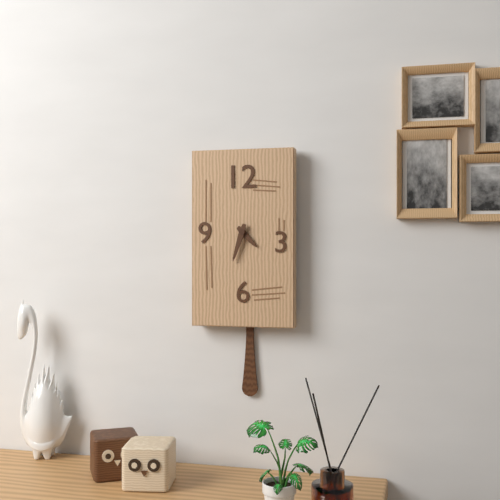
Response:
4,33
